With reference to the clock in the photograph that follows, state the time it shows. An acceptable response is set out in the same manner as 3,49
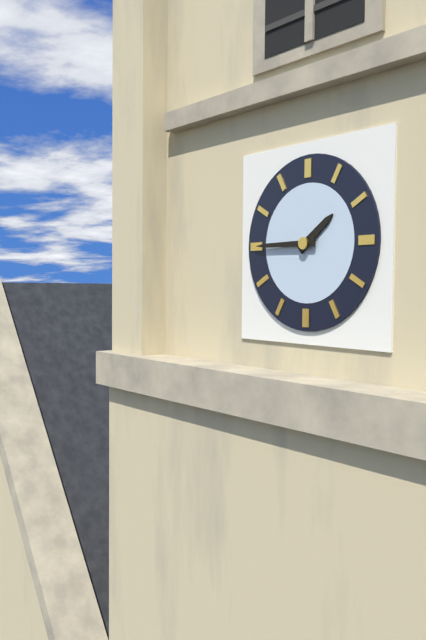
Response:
1,45
